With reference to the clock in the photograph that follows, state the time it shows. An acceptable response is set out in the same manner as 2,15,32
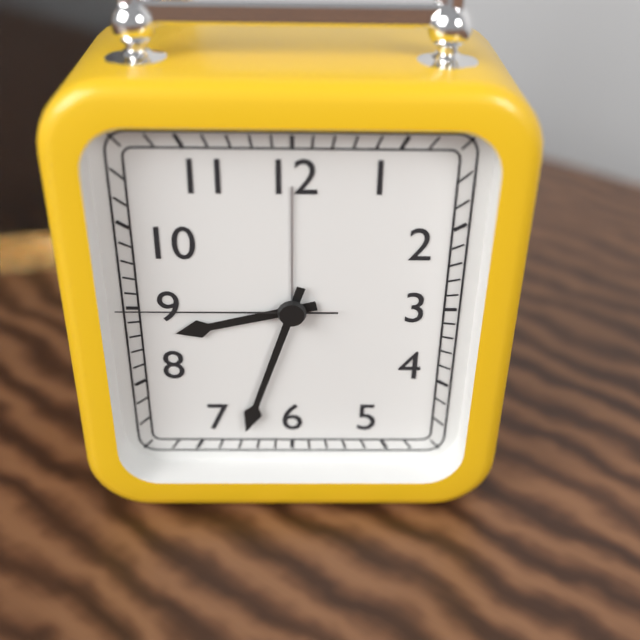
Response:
8,33,45
